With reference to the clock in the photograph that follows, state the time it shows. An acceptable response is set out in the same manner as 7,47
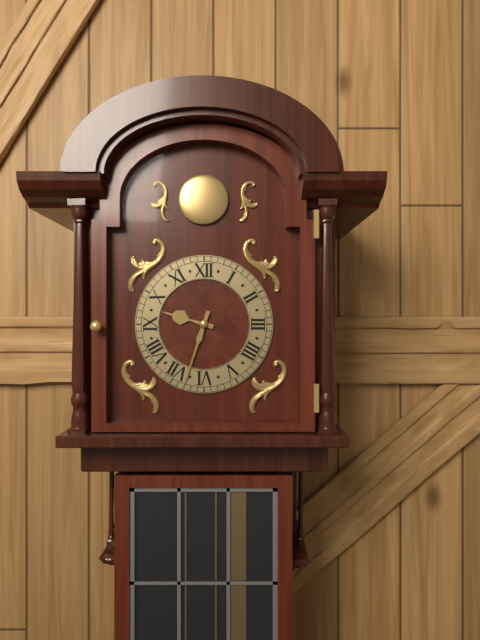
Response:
9,33
